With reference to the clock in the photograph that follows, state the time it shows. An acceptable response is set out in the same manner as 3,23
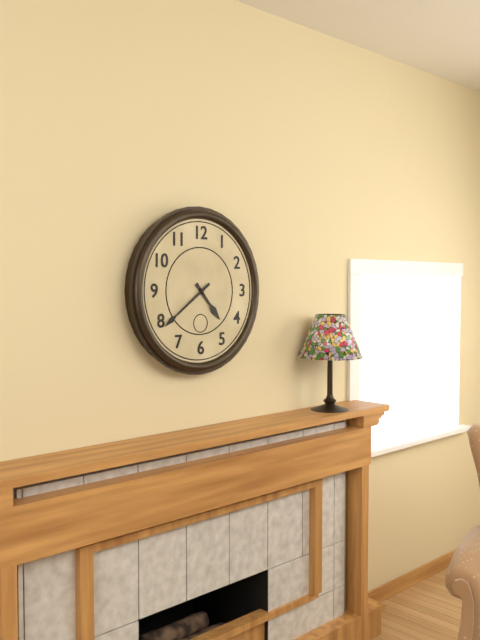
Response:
4,39
